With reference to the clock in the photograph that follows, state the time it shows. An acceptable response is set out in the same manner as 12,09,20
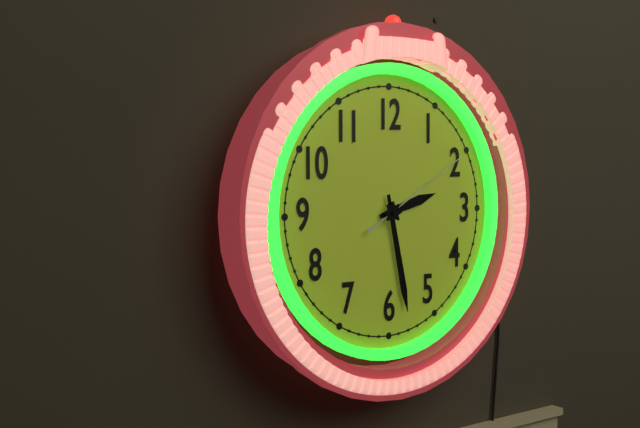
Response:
2,28,10
